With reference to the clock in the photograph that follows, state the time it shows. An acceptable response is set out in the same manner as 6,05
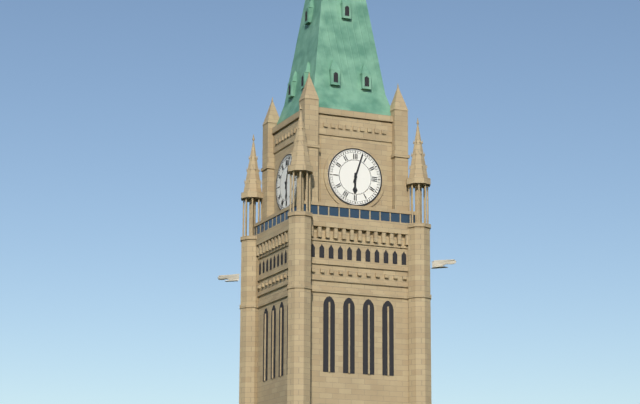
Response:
6,03
